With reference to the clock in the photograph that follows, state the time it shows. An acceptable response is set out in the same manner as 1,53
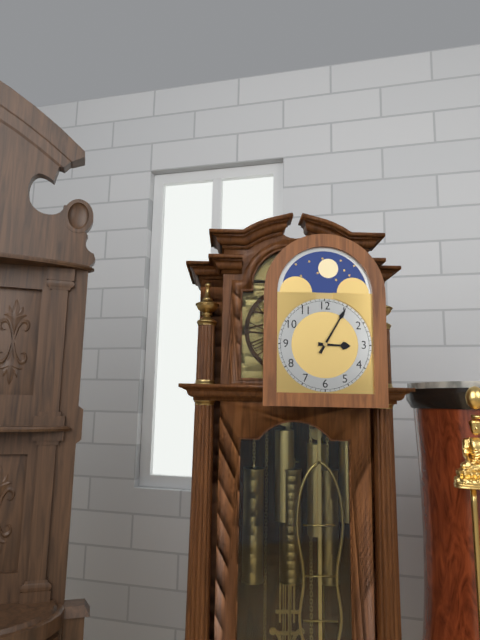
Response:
3,05
